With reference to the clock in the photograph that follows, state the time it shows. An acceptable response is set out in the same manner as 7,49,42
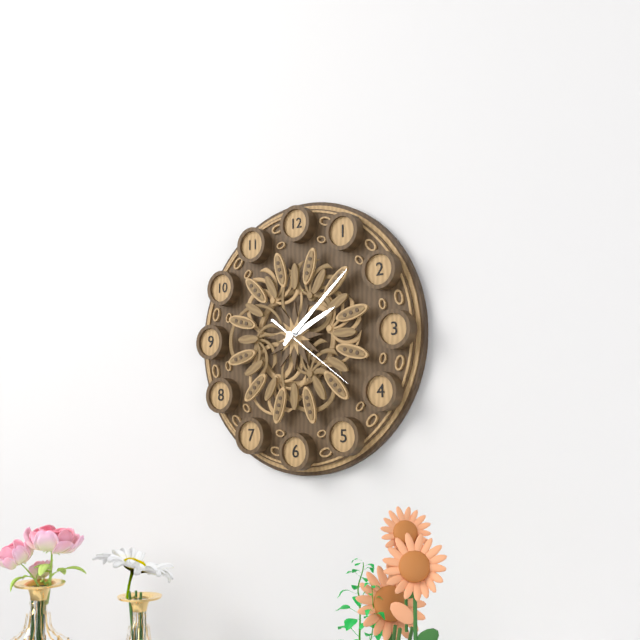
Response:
2,08,21
